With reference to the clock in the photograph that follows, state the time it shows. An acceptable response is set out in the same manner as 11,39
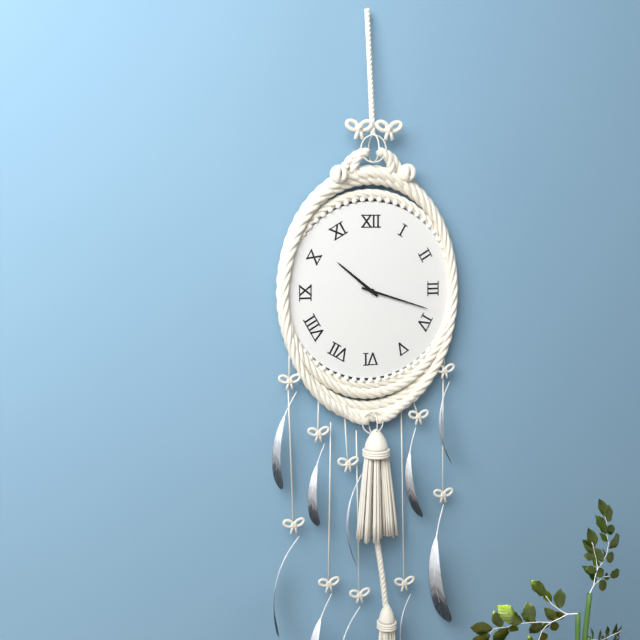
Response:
10,18
